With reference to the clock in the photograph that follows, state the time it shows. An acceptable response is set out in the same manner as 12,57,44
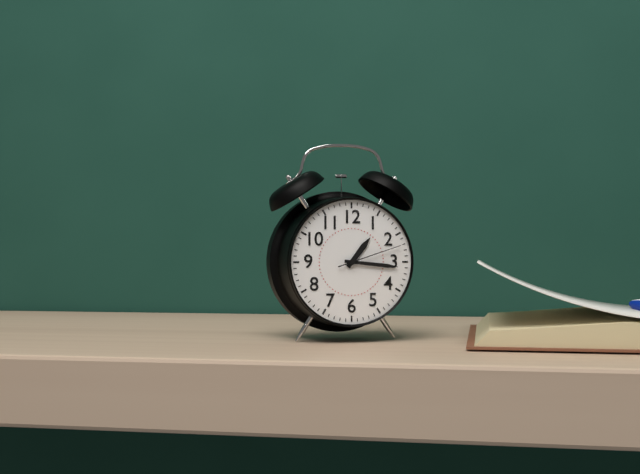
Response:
1,16,12
